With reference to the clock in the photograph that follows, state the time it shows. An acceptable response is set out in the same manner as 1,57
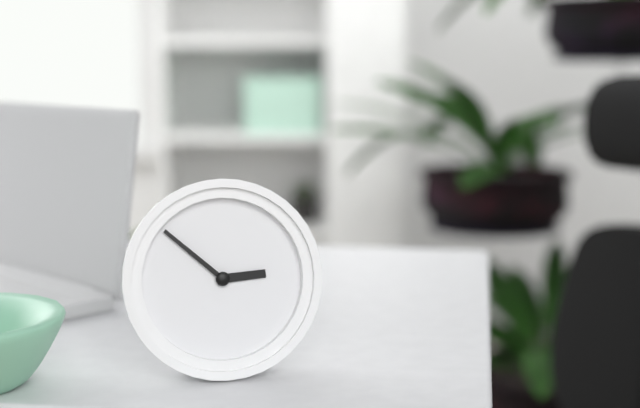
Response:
2,52
